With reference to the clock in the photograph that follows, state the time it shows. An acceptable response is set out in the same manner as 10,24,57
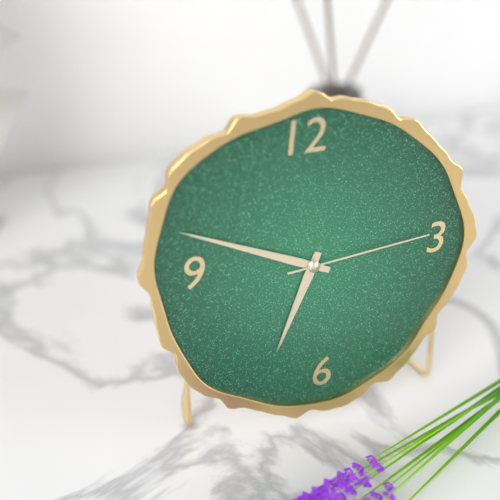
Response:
6,49,14
